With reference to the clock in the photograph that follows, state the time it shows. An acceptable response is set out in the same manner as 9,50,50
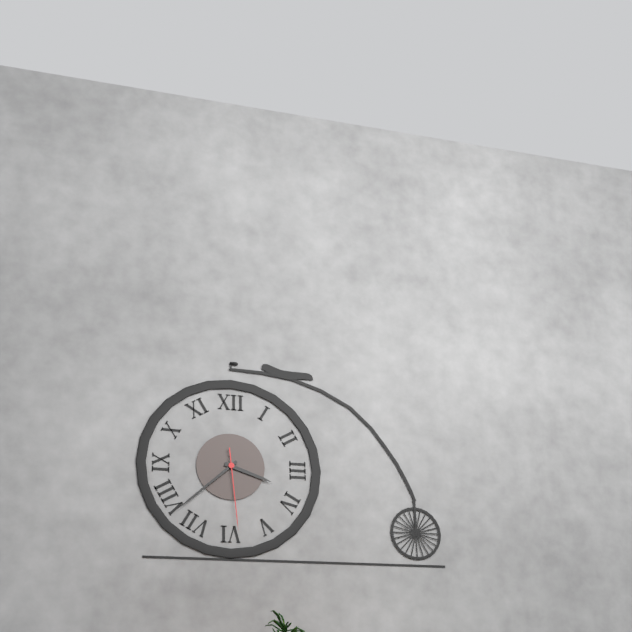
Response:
3,38,29
